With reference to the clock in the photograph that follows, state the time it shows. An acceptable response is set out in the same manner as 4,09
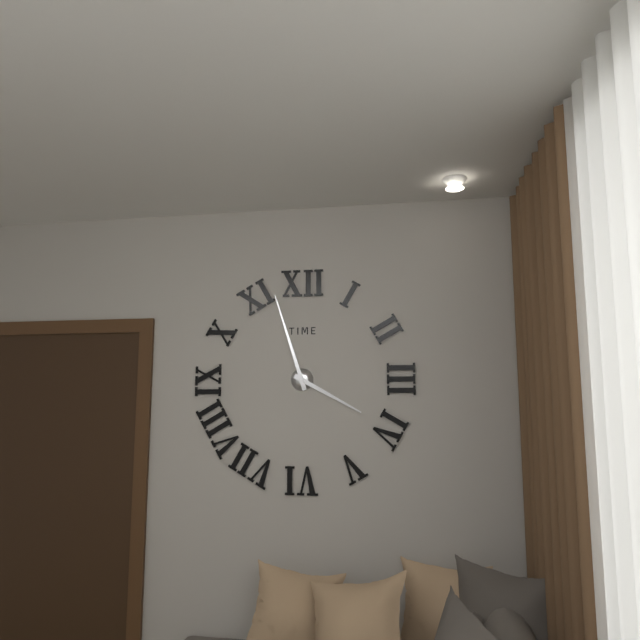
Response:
3,57
